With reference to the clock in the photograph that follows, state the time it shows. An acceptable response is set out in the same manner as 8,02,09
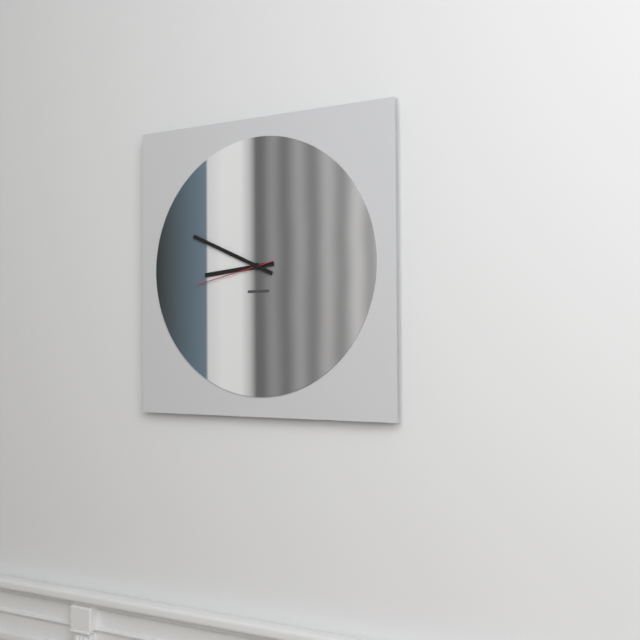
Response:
8,49,43
